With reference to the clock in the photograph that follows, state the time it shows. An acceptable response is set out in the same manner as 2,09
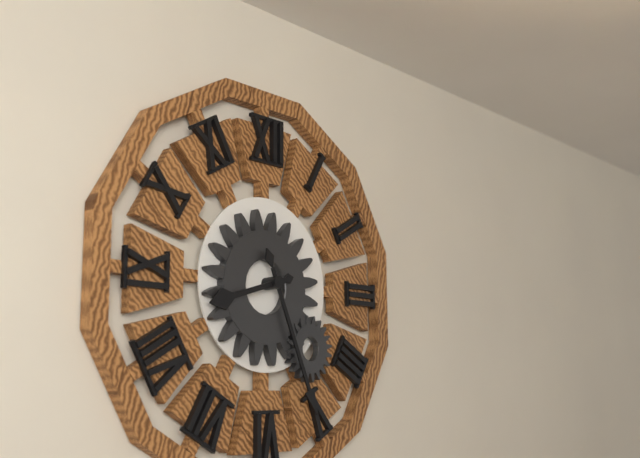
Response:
8,26
